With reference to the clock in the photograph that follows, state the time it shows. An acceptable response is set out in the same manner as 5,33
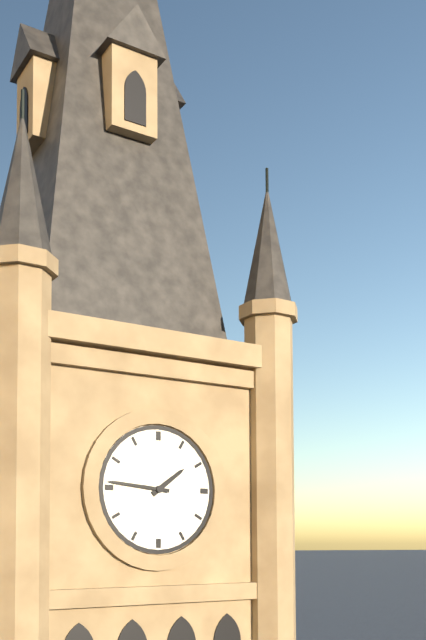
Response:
1,46
